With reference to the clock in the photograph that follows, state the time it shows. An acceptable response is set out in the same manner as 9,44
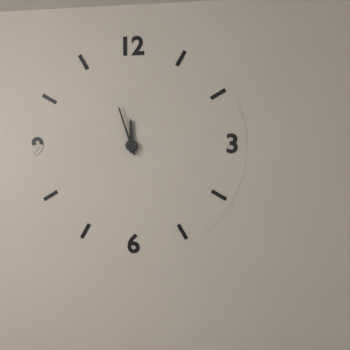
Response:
11,57
